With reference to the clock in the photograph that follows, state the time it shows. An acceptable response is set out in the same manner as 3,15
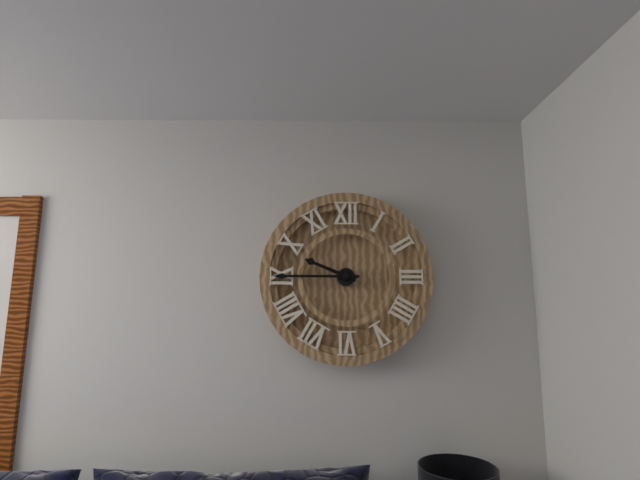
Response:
9,45
